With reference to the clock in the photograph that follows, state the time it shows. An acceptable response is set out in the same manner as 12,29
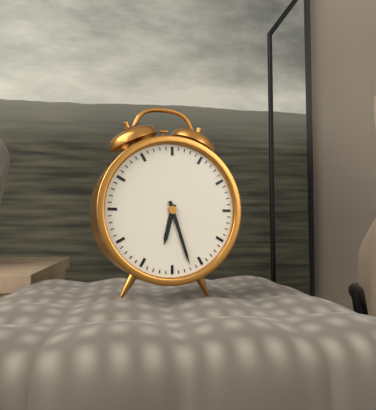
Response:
6,27
